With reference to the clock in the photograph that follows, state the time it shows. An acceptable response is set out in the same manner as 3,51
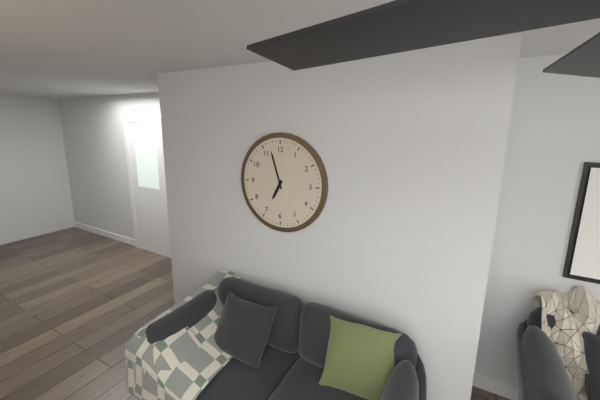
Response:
6,57
